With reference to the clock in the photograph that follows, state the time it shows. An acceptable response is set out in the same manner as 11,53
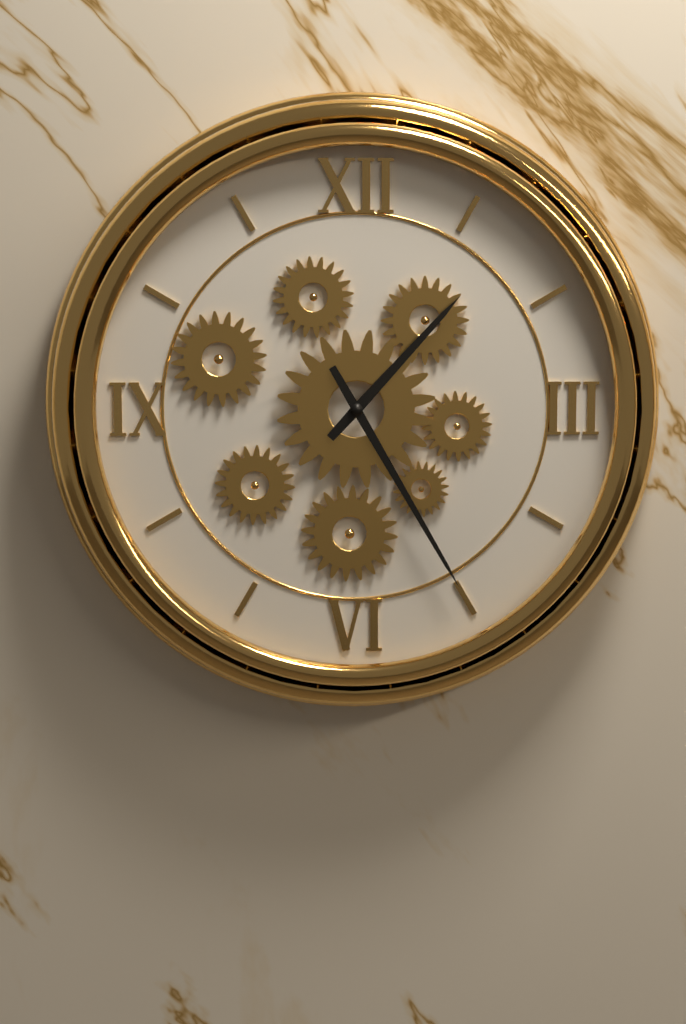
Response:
1,25
